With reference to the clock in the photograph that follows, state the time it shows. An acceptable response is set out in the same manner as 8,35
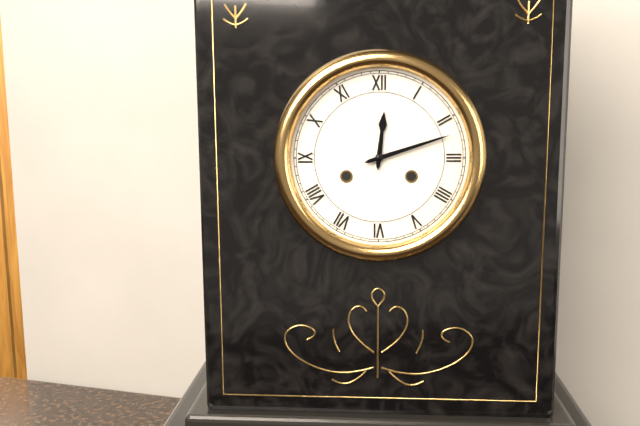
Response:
12,12
